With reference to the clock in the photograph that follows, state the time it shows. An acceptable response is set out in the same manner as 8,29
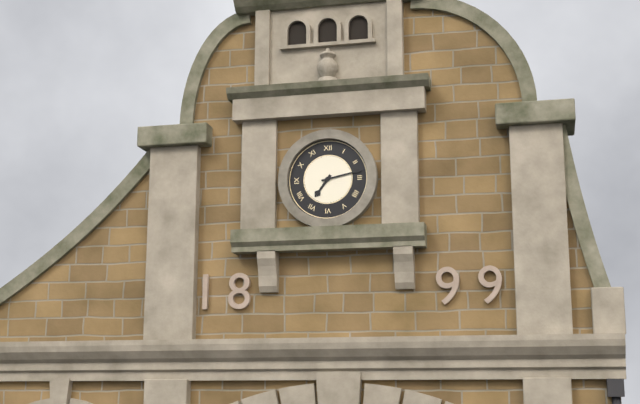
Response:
7,13
